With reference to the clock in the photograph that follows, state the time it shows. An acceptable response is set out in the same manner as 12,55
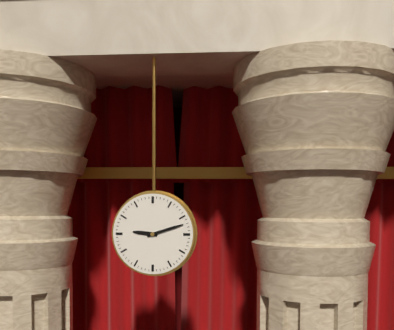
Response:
9,12
